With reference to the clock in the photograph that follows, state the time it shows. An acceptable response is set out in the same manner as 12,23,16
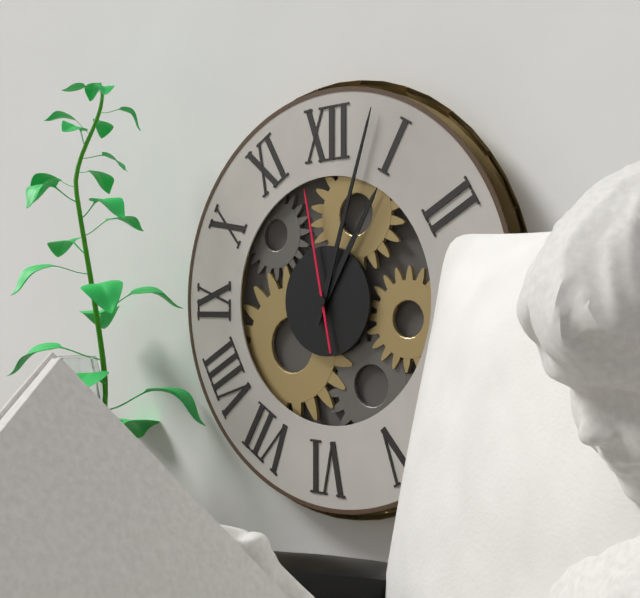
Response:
1,03,58
